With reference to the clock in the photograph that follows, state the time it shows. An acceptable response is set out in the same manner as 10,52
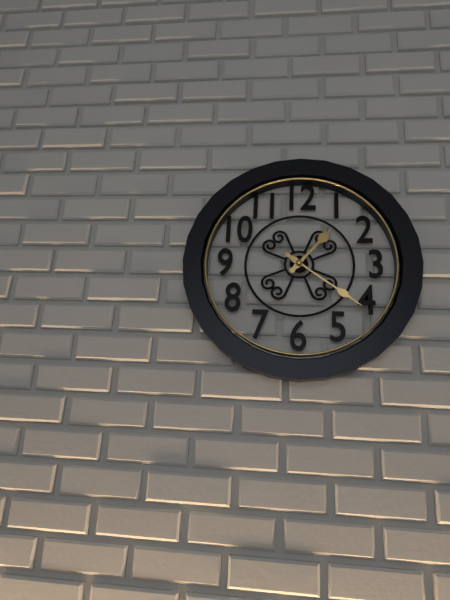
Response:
1,21
